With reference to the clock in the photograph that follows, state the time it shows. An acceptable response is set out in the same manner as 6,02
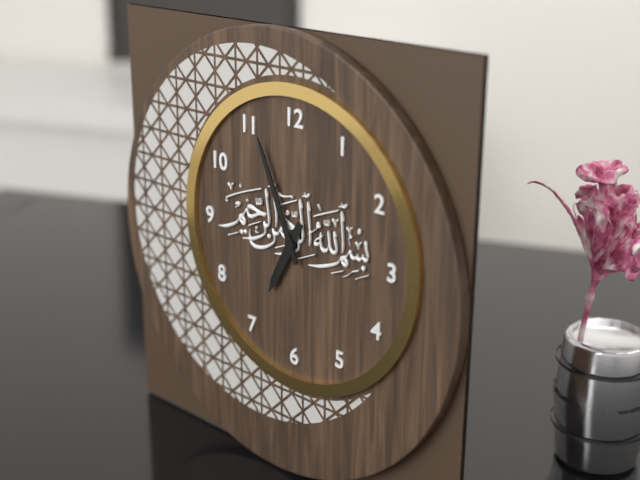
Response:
6,56
